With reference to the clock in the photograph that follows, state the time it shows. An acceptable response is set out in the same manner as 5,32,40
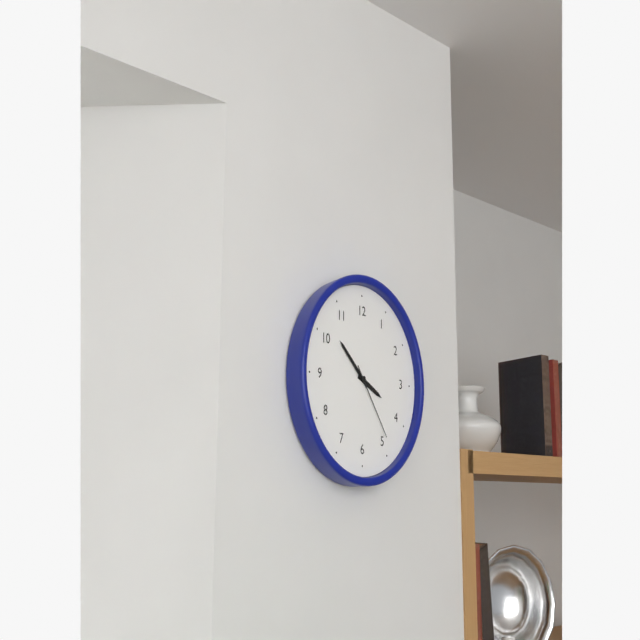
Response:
3,52,24
